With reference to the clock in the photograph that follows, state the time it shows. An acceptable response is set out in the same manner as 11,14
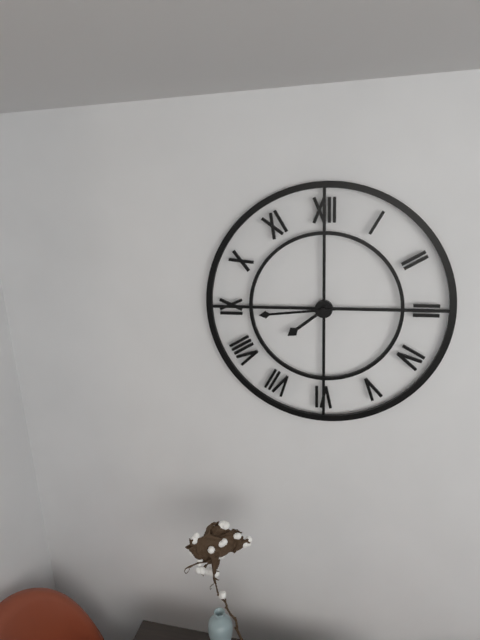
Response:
7,44
